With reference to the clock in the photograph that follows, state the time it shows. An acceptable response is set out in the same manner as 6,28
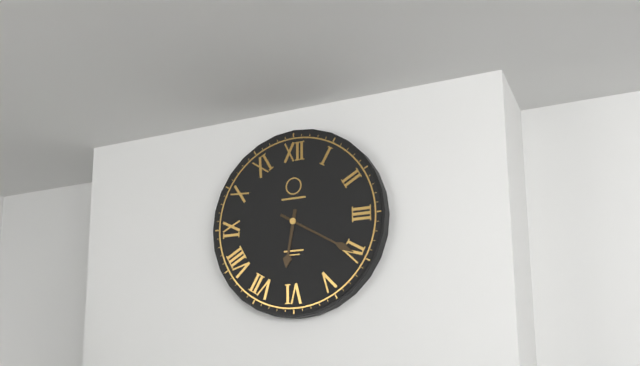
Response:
6,20
